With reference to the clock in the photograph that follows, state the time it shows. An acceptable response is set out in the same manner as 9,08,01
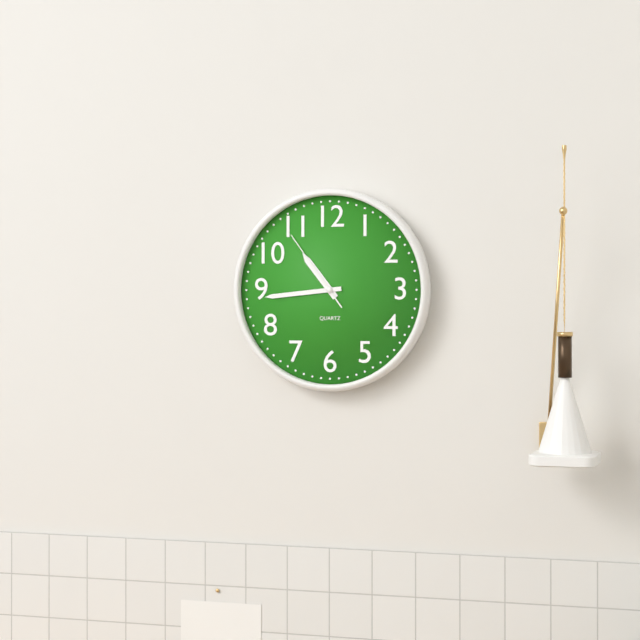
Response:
10,44,54
